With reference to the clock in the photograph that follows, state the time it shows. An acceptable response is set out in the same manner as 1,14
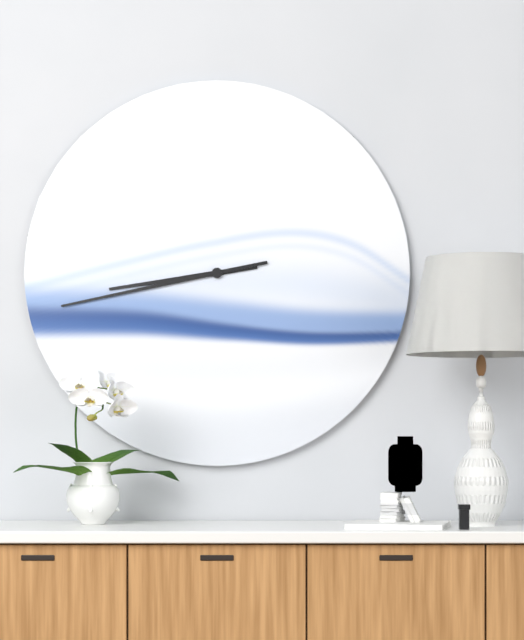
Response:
8,43
